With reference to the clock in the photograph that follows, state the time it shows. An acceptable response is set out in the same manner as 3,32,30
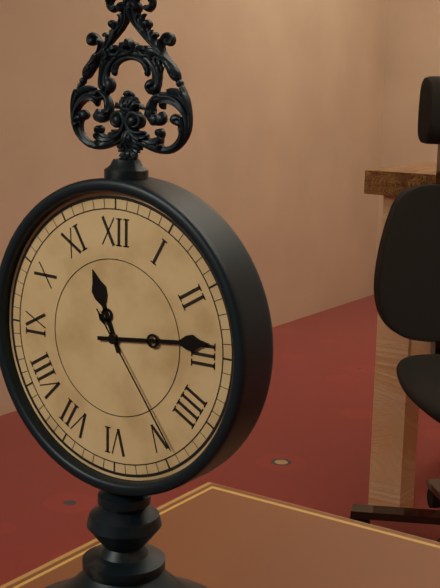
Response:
11,14,24
